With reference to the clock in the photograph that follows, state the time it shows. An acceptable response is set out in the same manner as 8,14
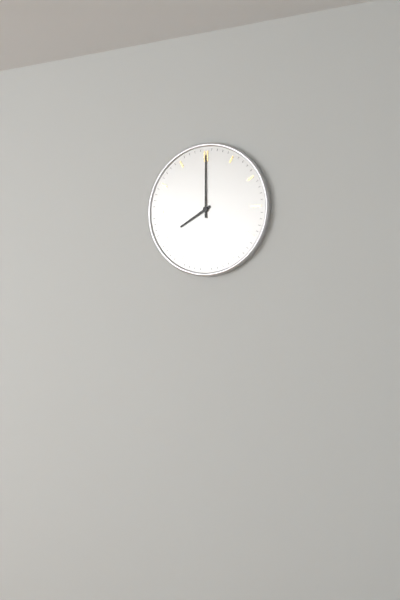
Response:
8,00
